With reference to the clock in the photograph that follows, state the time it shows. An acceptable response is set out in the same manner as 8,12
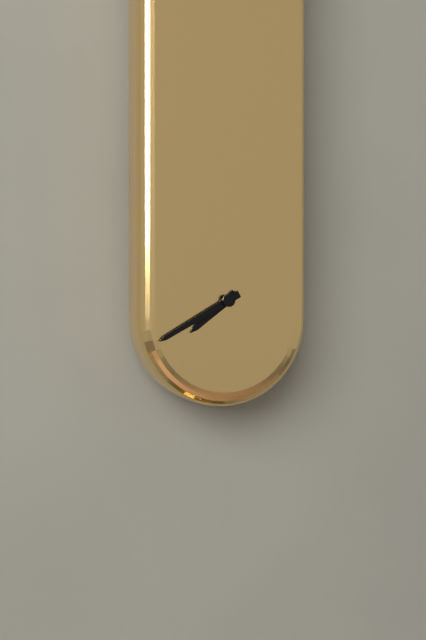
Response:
7,40
